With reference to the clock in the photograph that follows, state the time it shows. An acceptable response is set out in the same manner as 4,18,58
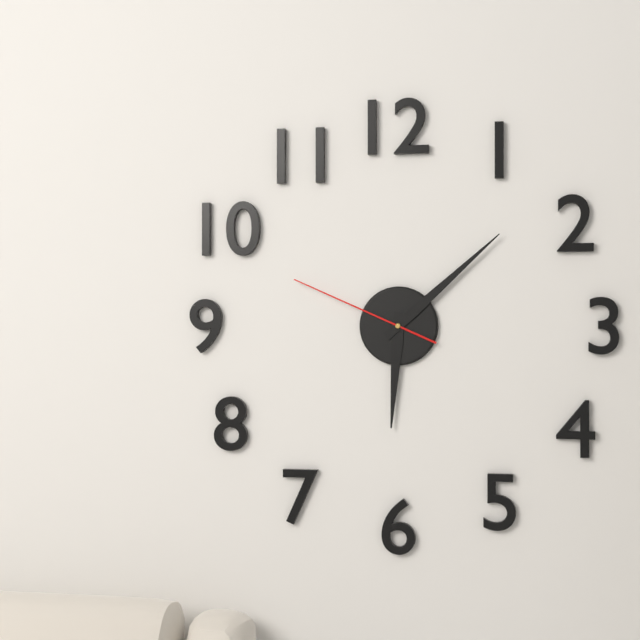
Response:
6,08,49
